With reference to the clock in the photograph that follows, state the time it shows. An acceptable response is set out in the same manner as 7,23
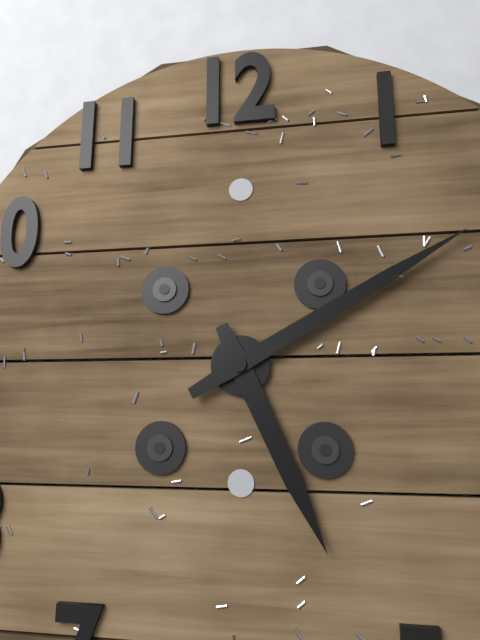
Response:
5,10
